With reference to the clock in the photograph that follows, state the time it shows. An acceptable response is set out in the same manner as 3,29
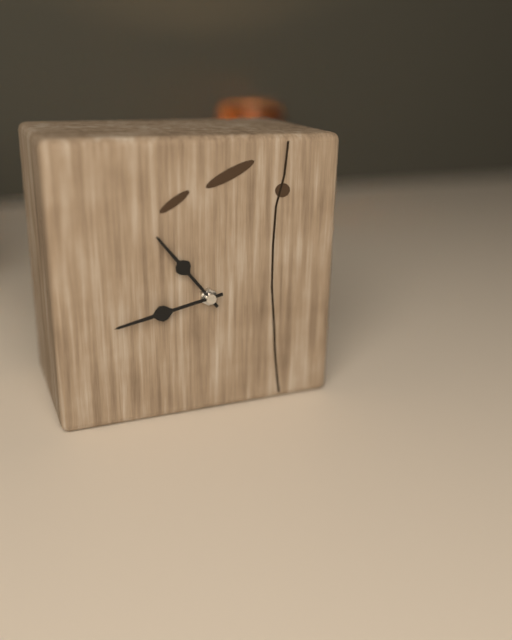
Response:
10,43
